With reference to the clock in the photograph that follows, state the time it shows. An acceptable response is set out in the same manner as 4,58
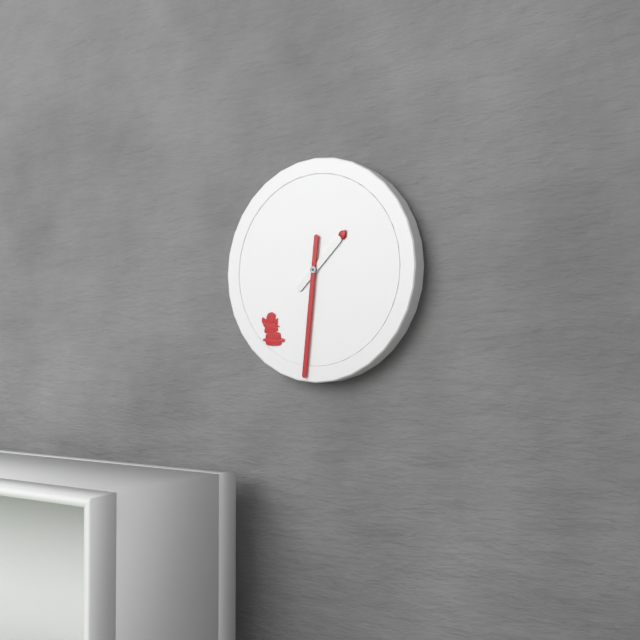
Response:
1,31
